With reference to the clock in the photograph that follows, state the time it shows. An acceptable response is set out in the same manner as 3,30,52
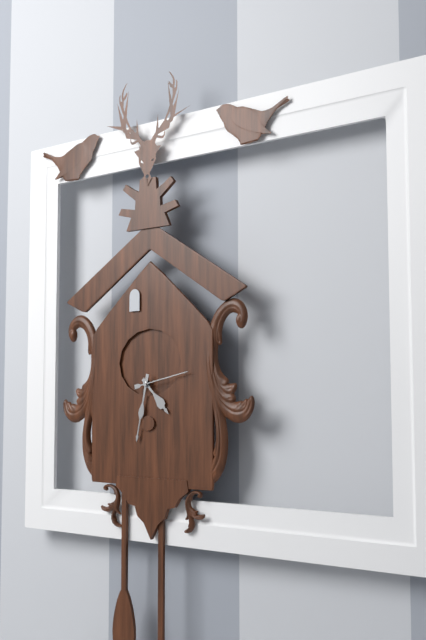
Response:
4,32,13
